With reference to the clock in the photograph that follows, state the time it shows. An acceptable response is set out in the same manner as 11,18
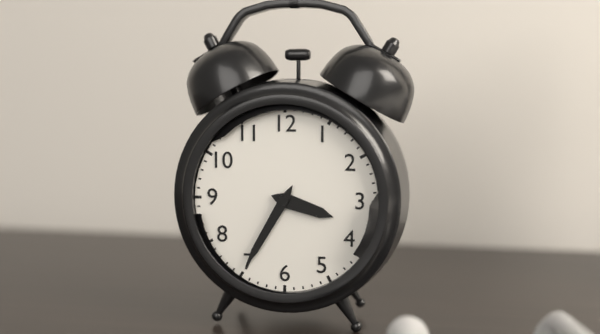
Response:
3,35
